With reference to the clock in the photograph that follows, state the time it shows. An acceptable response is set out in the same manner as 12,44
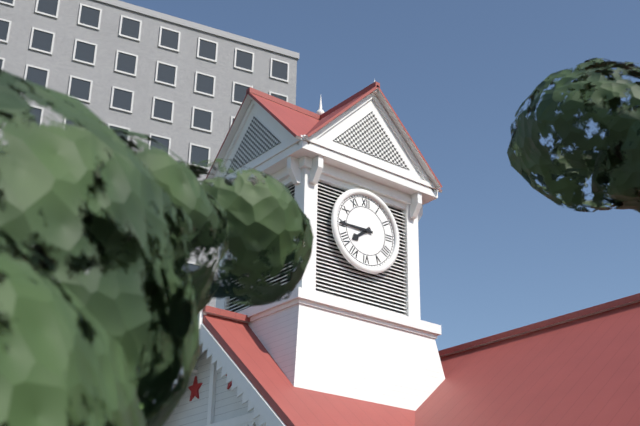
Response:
7,45
